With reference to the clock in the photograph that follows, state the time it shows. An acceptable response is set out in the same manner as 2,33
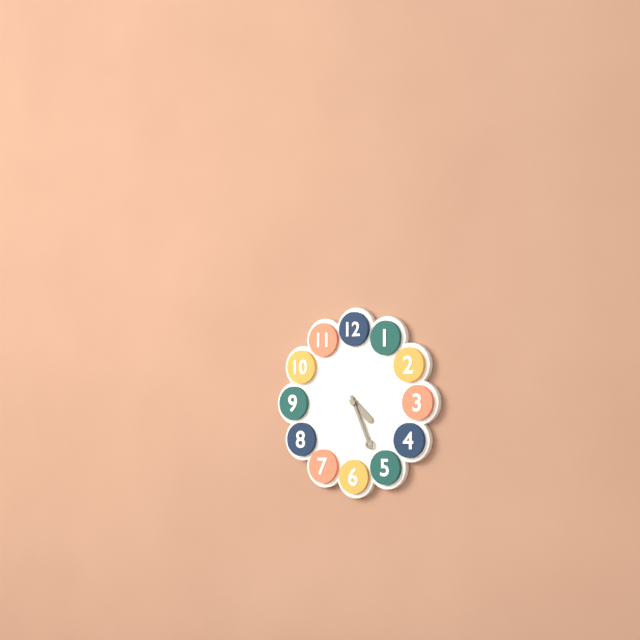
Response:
4,26
